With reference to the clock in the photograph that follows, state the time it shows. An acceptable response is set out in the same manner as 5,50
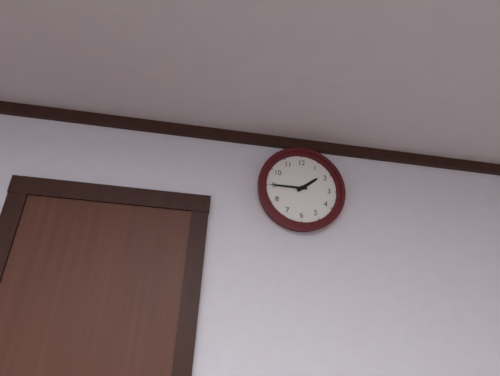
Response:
1,45
